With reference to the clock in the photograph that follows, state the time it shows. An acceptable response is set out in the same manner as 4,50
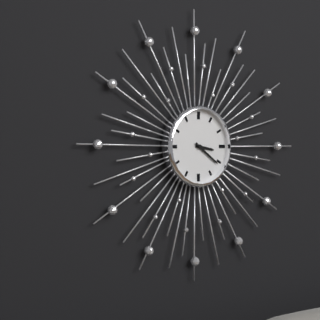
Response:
3,21
